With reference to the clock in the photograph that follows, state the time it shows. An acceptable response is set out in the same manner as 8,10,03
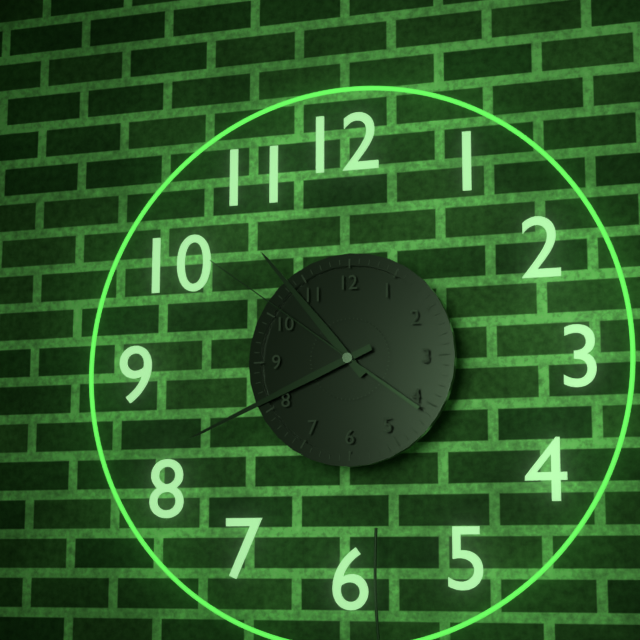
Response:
10,41,51
